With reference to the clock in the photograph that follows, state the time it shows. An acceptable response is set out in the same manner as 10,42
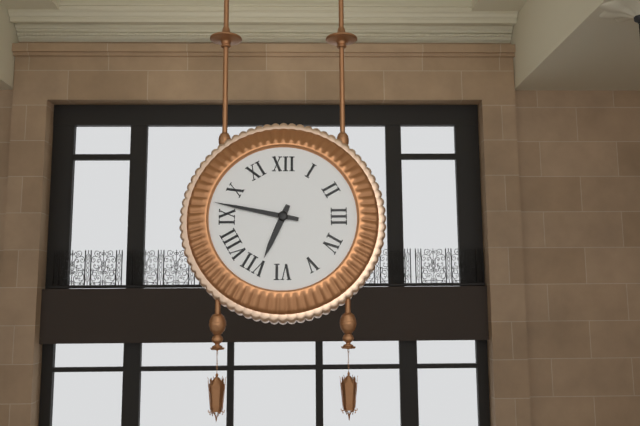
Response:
6,47
